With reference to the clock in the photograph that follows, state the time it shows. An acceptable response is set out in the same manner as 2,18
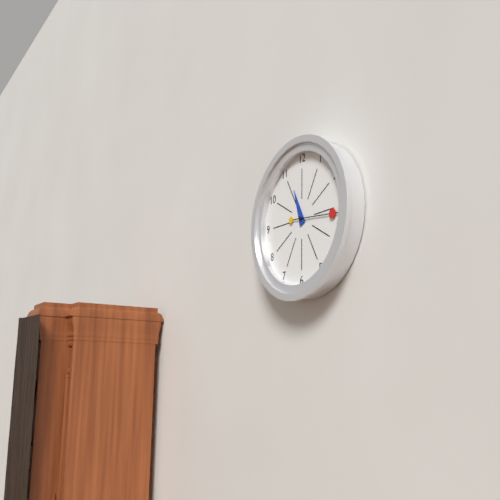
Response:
11,16
